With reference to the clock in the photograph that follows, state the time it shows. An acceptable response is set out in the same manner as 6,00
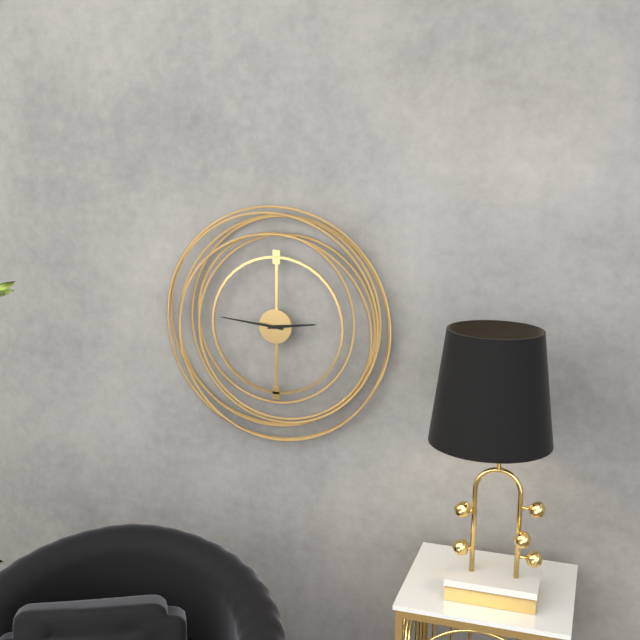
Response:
2,46
